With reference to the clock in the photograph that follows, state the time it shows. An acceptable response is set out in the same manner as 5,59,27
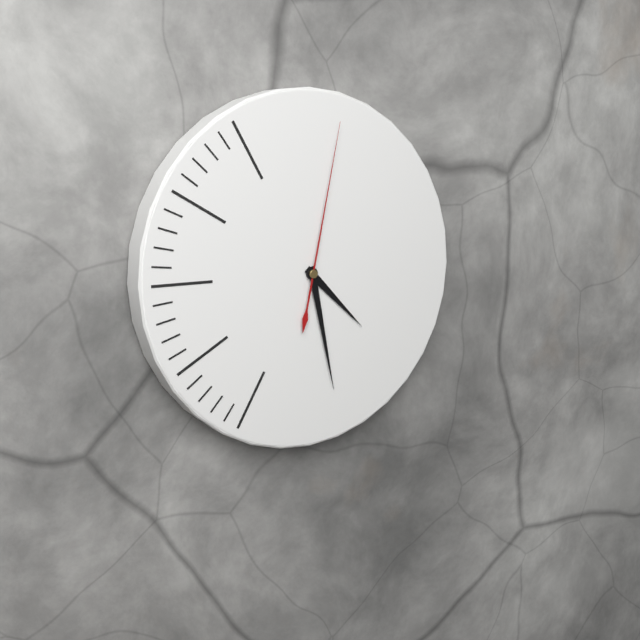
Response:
4,28,02
